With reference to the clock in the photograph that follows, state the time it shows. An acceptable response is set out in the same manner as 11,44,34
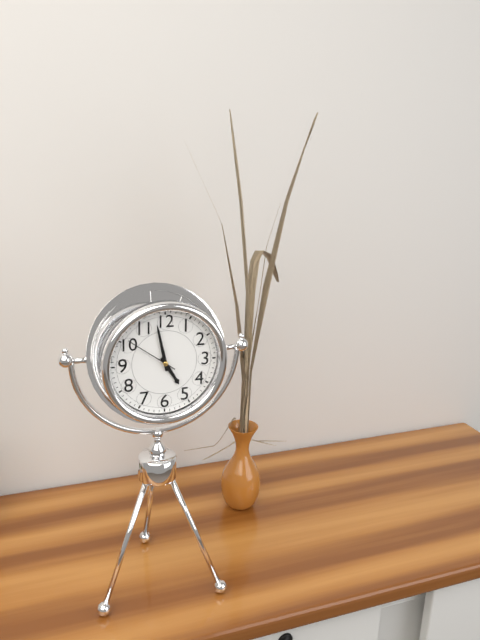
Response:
4,58,51
